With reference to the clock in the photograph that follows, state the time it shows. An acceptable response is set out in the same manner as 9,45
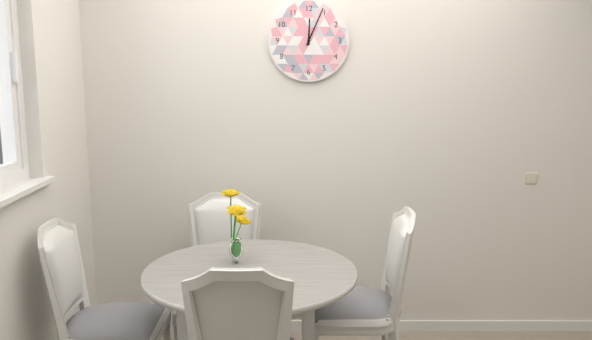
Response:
12,04
